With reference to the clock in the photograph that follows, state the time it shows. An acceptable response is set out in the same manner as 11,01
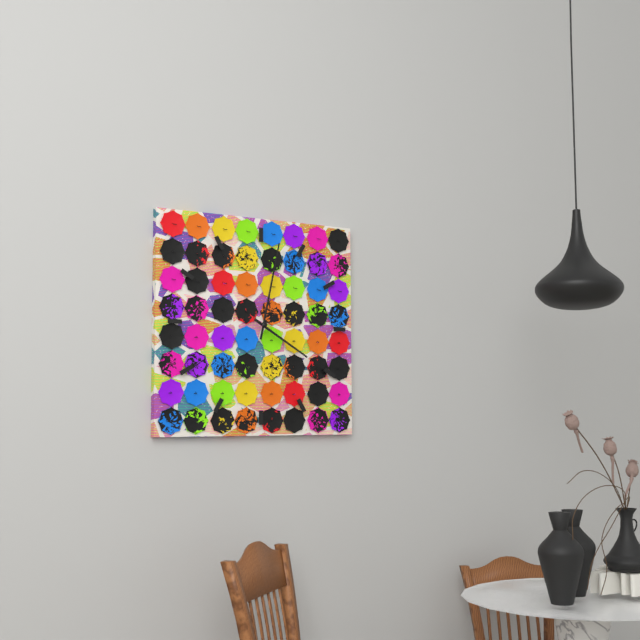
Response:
4,02
